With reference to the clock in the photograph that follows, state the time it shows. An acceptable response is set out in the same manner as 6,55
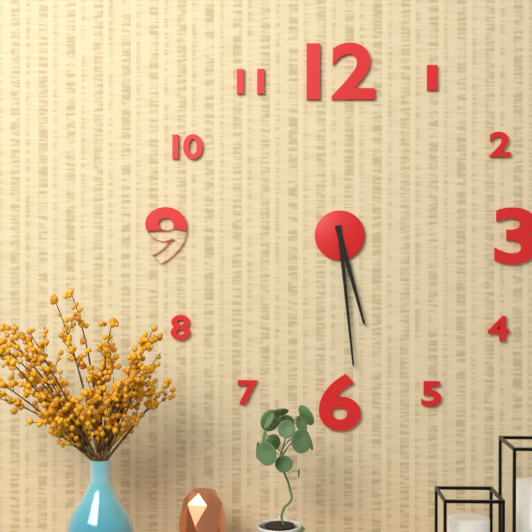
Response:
5,29
